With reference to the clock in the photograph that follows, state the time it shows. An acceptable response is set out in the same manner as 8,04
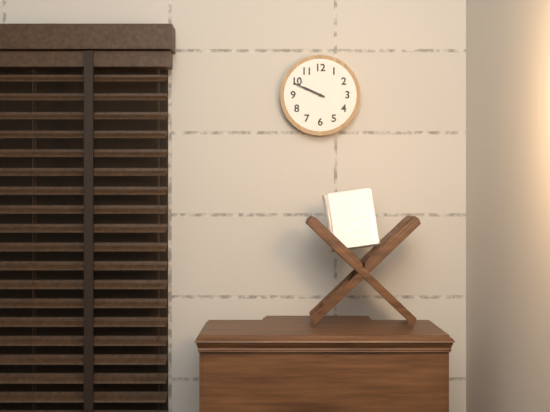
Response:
9,49
